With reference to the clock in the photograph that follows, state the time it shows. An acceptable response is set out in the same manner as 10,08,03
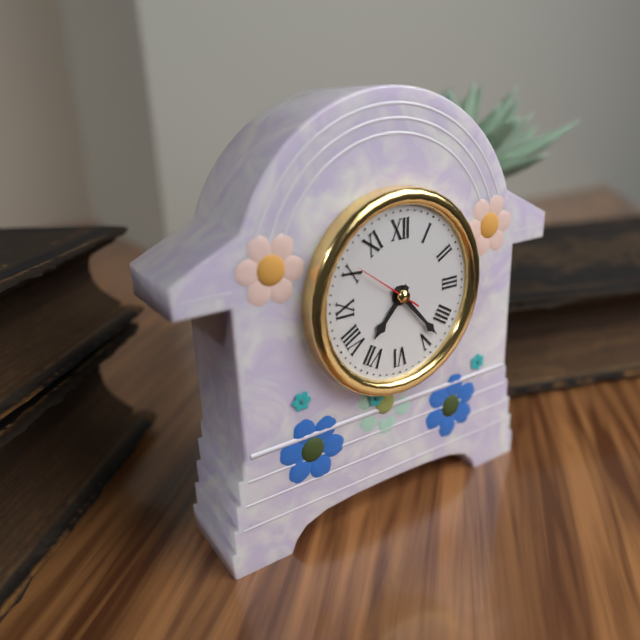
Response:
7,23,51
